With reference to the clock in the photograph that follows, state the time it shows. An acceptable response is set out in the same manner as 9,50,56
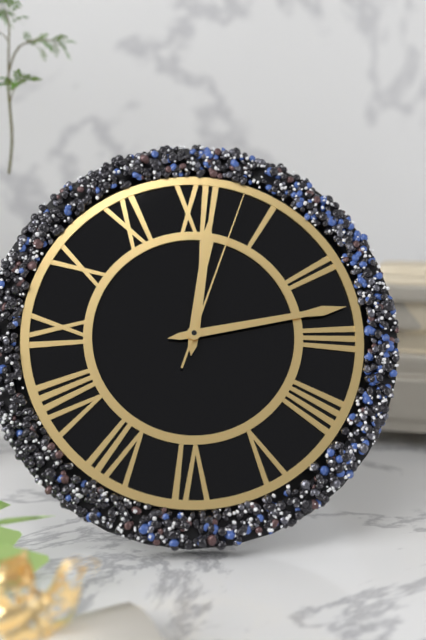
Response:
12,13,03
